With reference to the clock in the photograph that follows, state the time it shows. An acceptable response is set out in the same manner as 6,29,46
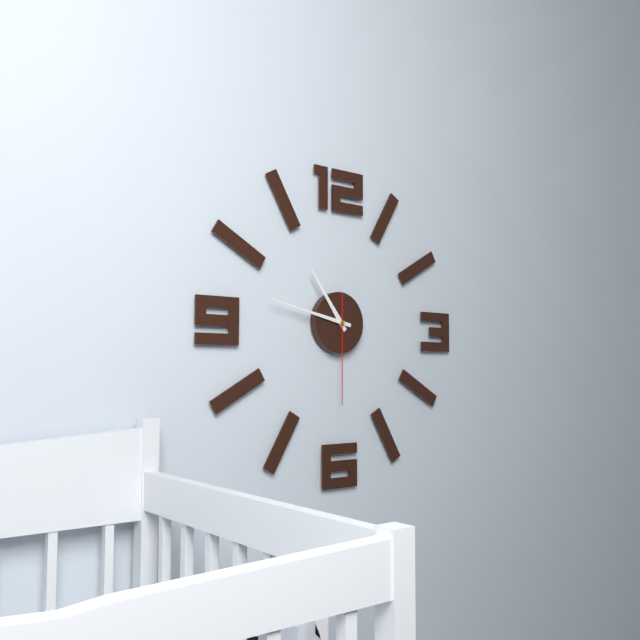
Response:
10,47,30
